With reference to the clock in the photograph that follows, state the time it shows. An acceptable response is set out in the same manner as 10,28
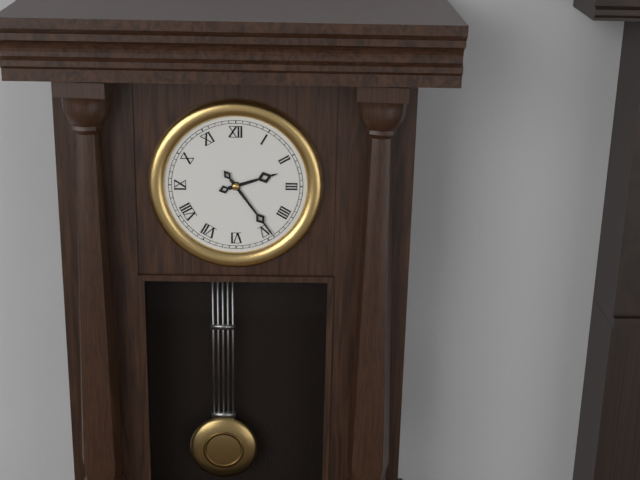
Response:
2,24
